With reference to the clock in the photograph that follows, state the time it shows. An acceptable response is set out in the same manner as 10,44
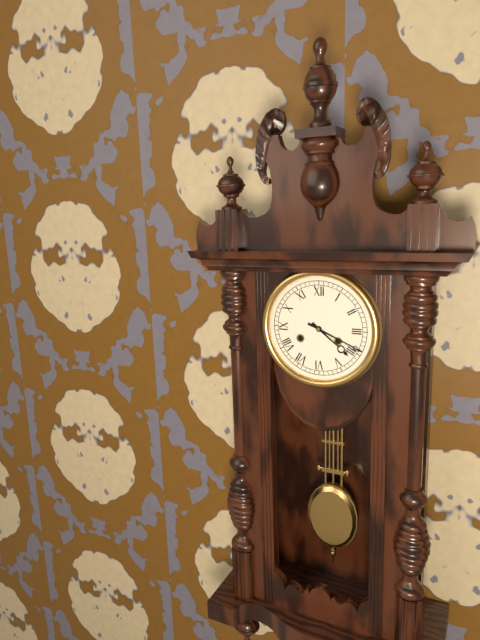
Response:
4,19
